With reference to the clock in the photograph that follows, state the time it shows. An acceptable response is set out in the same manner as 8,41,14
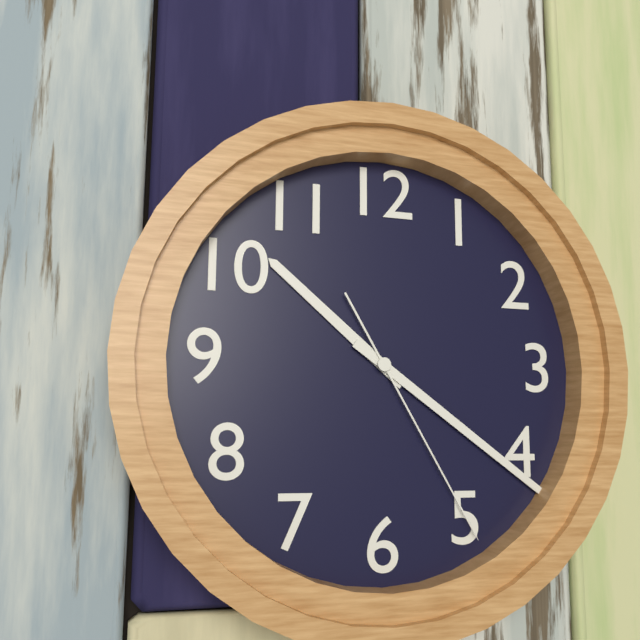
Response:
10,21,25
